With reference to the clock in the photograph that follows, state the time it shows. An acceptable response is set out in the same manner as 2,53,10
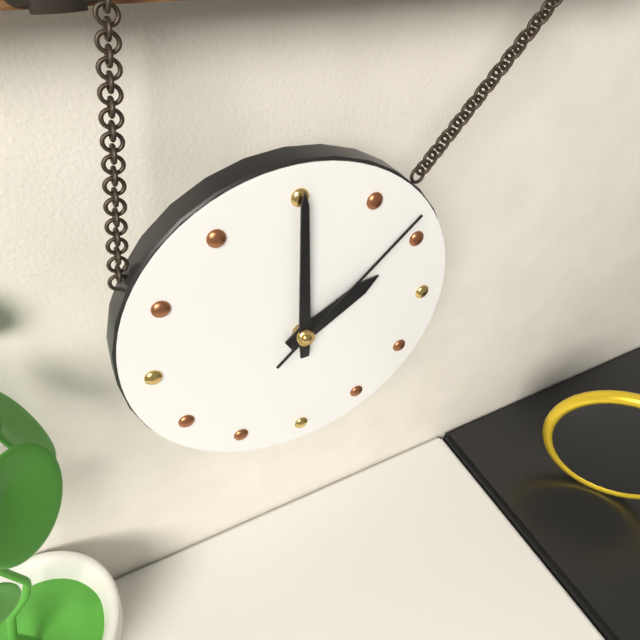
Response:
2,00,08
